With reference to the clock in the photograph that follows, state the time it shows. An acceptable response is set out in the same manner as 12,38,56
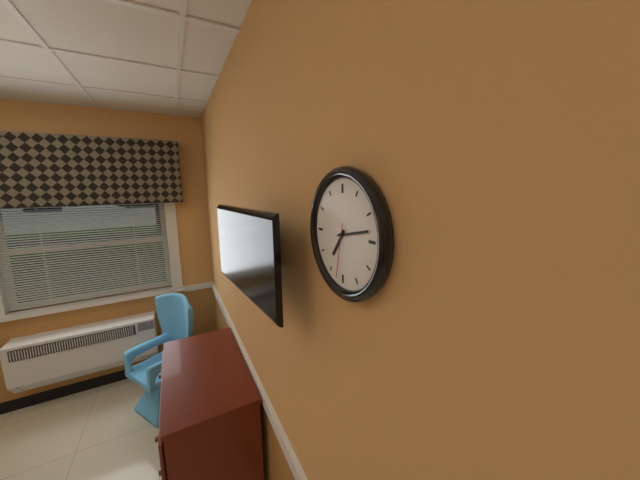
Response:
7,13,32
